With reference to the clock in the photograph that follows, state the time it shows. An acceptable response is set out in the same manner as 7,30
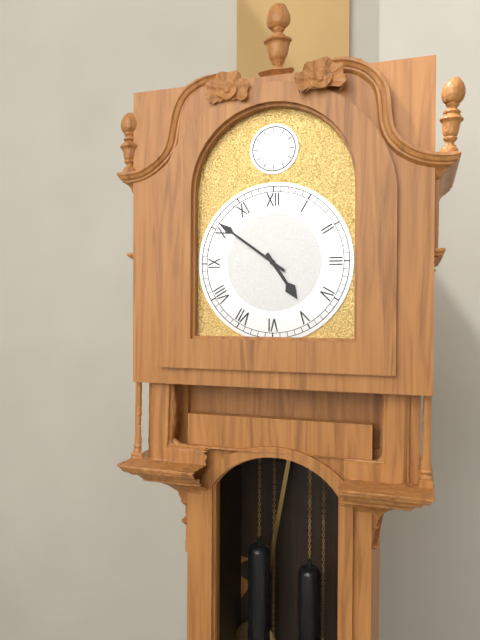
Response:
4,51
